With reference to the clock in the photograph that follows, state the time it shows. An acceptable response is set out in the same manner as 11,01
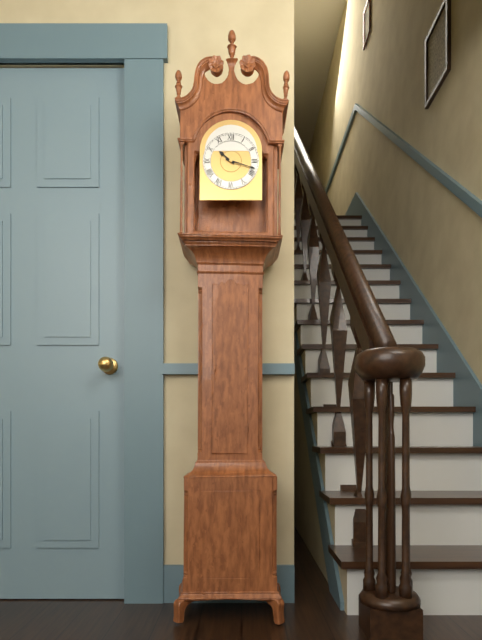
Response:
10,18
